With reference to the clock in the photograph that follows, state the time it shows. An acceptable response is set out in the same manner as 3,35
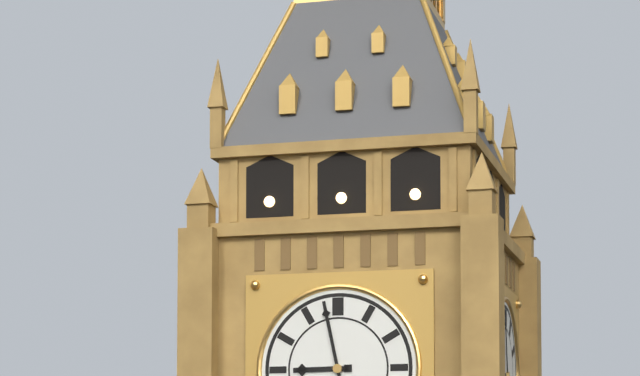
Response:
8,58
